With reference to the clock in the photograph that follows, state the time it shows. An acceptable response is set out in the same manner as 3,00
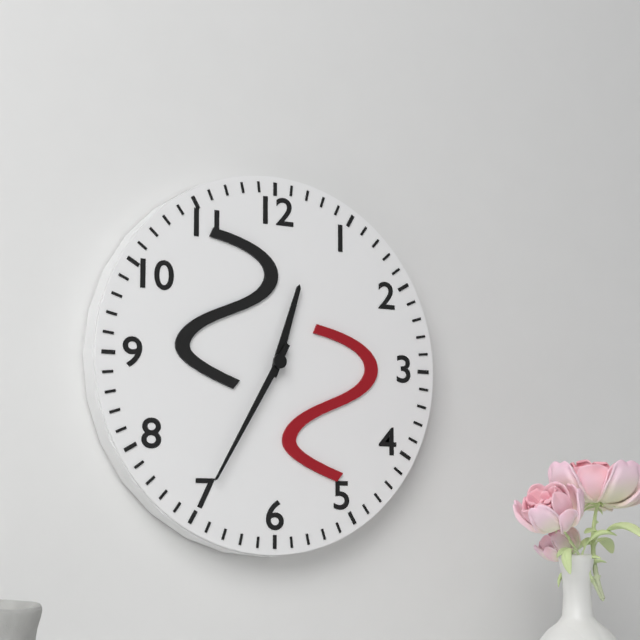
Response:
12,35
